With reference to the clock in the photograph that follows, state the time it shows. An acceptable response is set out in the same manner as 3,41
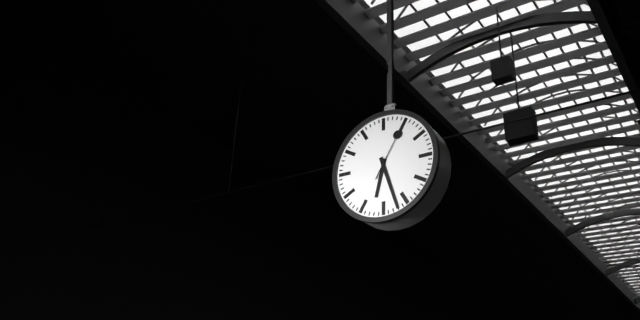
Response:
6,27
